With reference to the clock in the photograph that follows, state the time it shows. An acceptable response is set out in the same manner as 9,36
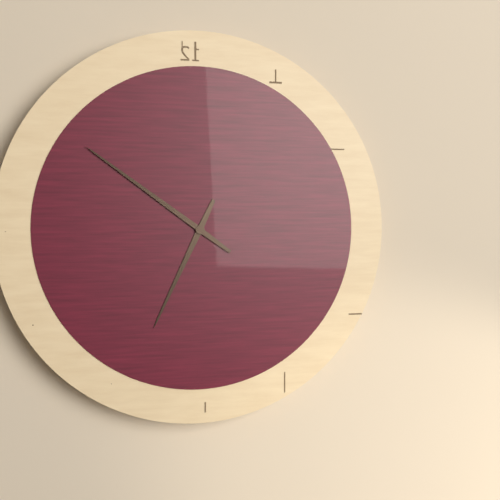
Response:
6,51
